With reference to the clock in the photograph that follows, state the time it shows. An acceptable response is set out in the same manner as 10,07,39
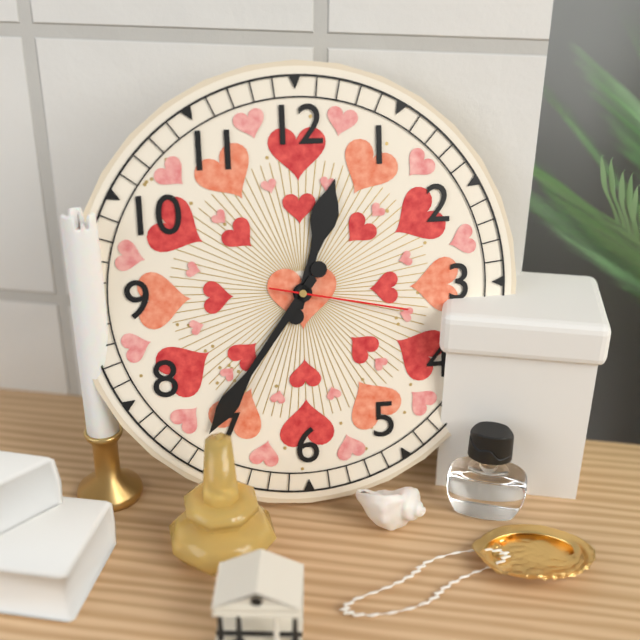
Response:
12,36,17
